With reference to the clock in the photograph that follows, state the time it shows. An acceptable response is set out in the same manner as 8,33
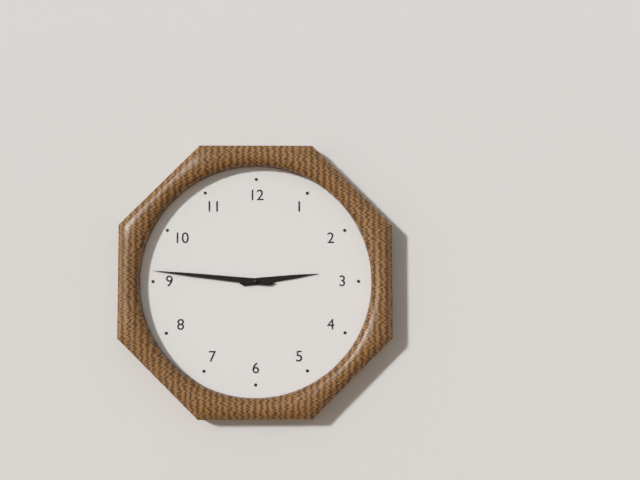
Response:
2,46
